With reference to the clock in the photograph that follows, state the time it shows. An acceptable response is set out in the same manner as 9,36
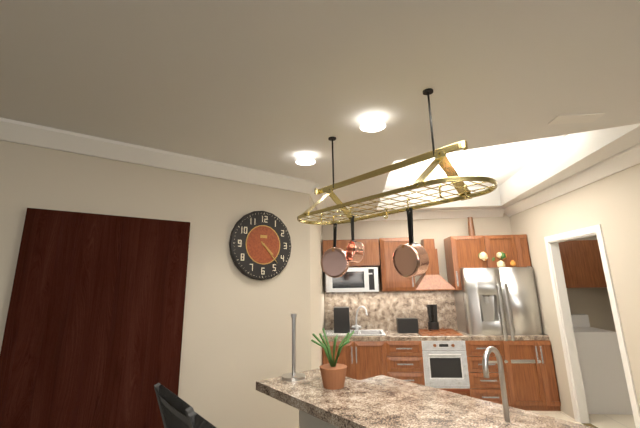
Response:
4,23
